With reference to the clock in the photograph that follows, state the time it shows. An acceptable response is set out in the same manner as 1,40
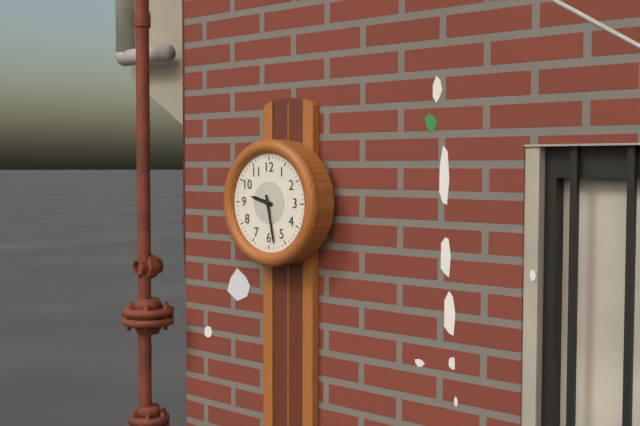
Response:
9,28
